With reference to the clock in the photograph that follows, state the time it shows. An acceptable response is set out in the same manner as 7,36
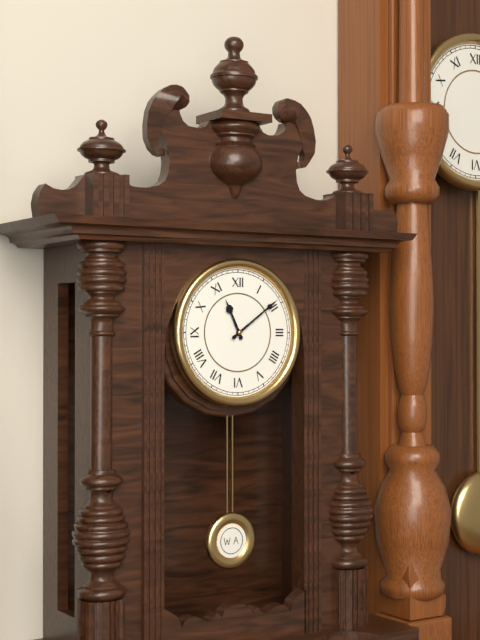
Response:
11,09
